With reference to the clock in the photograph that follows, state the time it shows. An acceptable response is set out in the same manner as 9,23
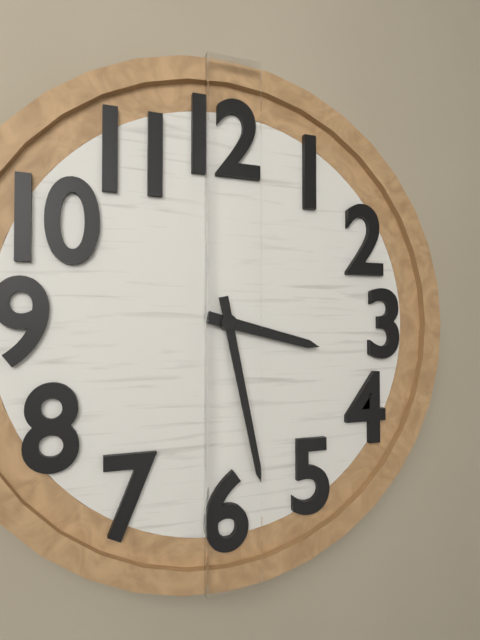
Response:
3,28
